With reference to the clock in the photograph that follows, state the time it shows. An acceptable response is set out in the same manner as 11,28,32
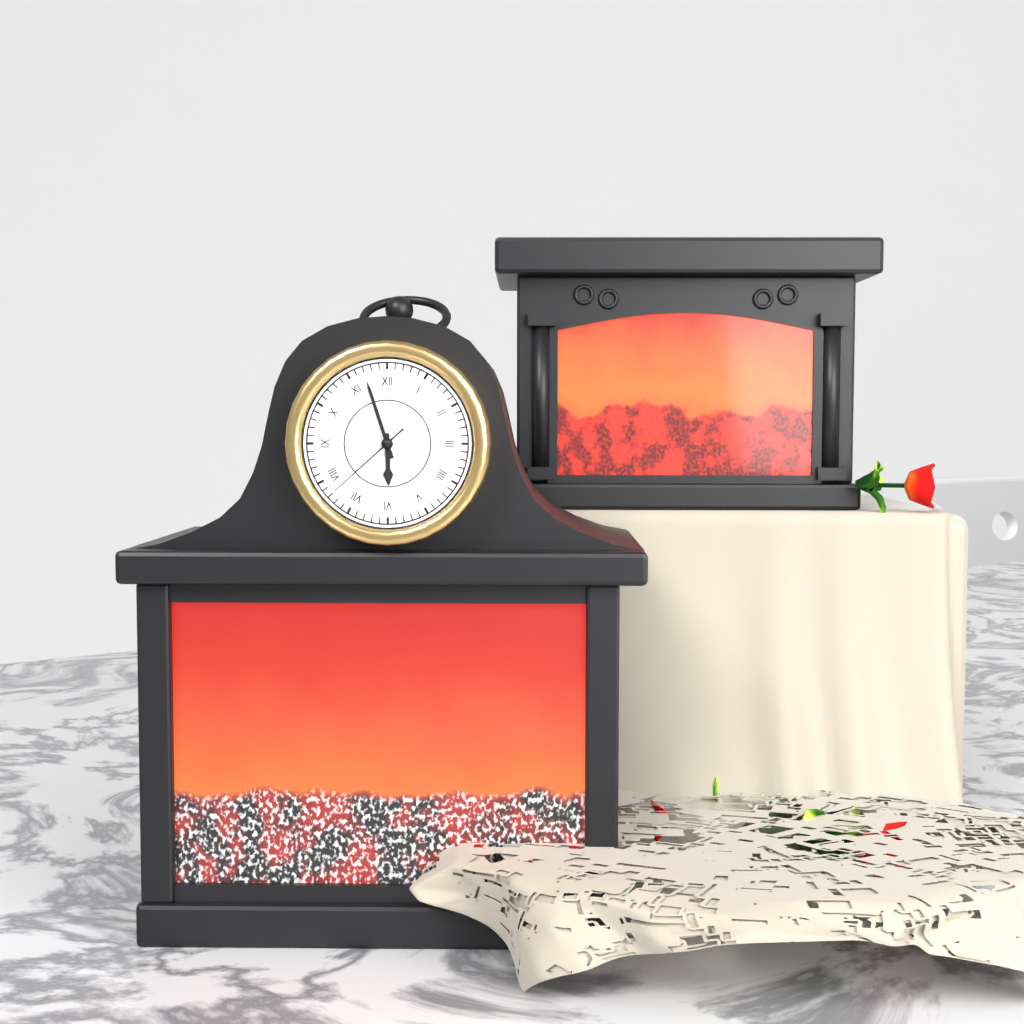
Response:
5,57,38
